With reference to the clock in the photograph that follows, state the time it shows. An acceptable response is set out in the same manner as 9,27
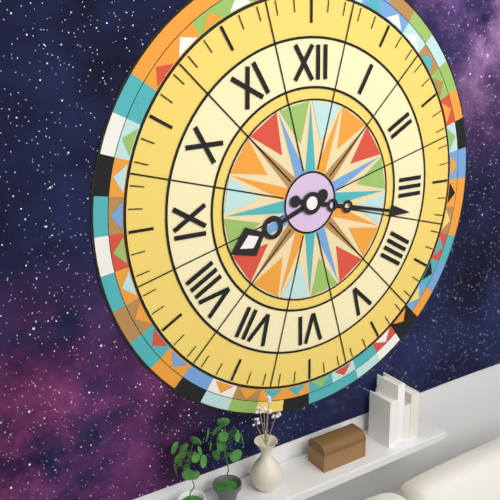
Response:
8,17
